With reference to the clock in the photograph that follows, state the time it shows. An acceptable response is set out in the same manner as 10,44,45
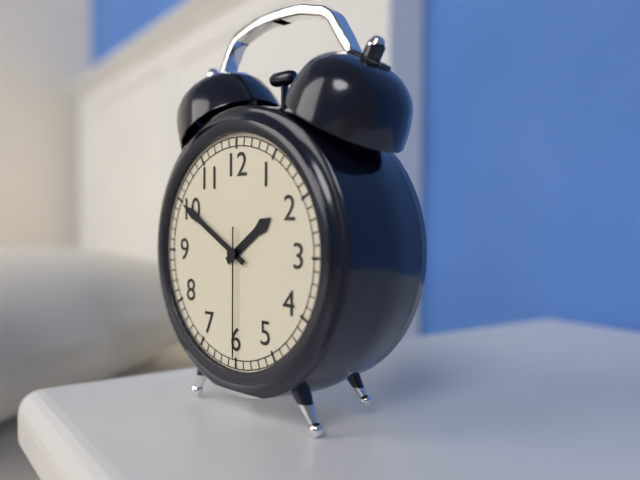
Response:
1,50,30
